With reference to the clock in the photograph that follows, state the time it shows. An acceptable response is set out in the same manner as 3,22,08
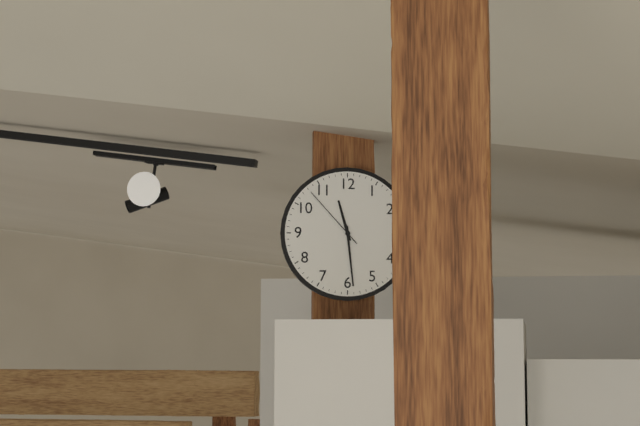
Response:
11,29,53
